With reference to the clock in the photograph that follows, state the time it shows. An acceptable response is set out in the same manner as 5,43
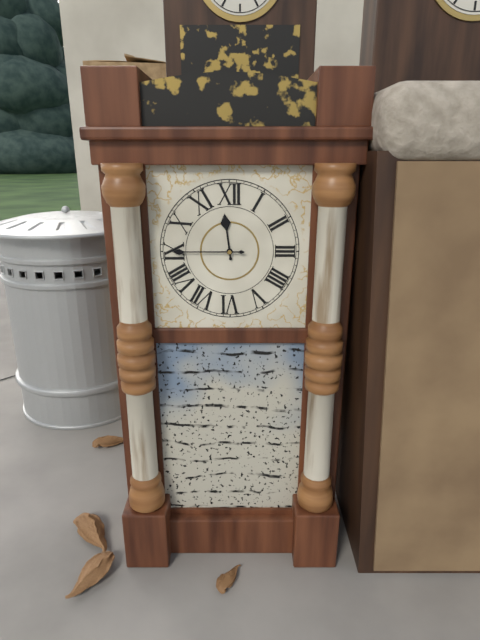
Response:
11,45
